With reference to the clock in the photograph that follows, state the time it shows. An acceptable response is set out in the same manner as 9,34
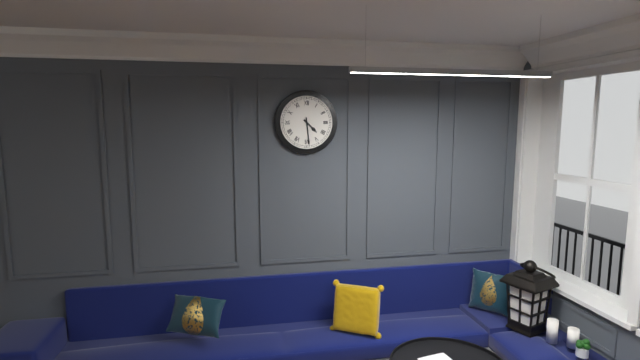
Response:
4,29
